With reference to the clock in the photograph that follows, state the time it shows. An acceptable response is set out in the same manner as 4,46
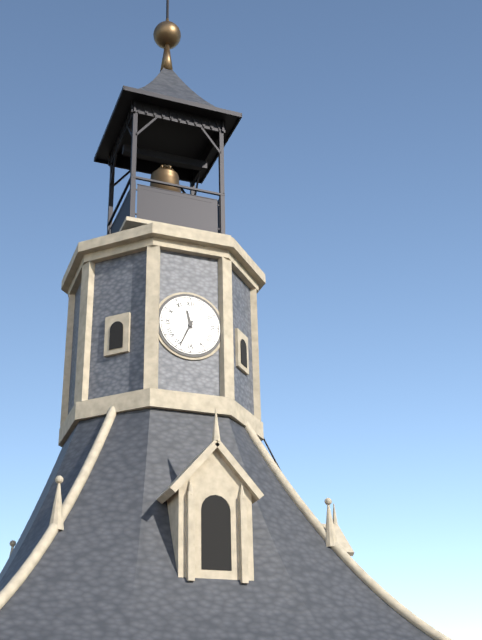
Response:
11,34
